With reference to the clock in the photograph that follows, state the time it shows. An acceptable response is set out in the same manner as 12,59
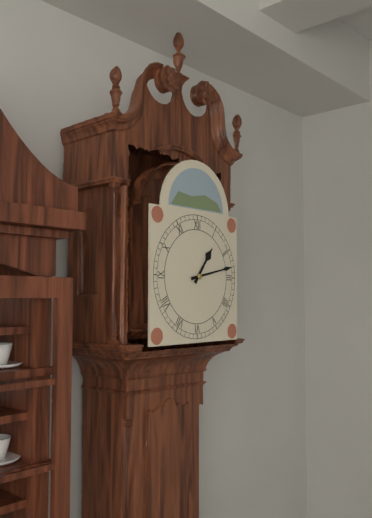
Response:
1,13
